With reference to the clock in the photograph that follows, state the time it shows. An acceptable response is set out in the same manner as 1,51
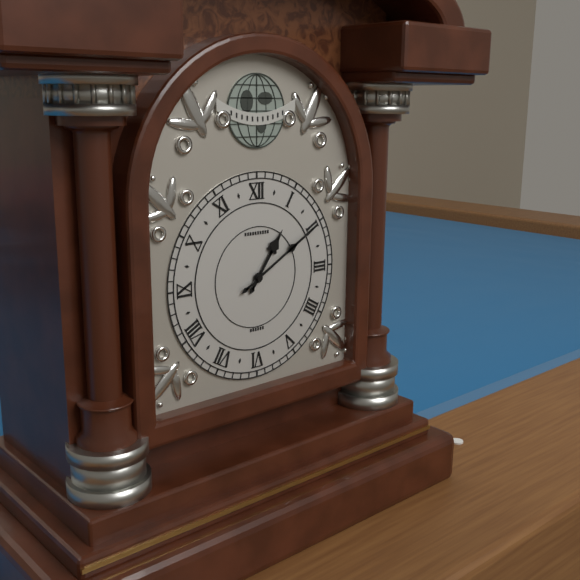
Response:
1,10
